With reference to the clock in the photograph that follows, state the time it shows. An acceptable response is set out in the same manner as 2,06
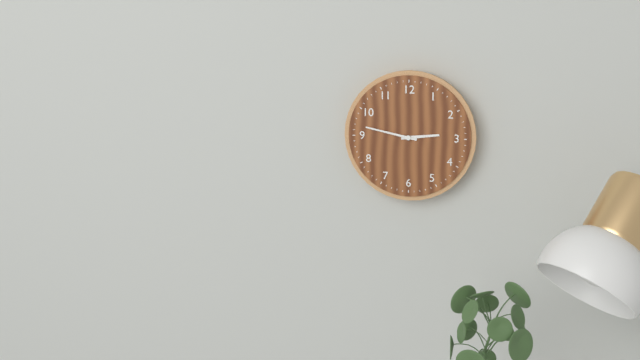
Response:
2,47
